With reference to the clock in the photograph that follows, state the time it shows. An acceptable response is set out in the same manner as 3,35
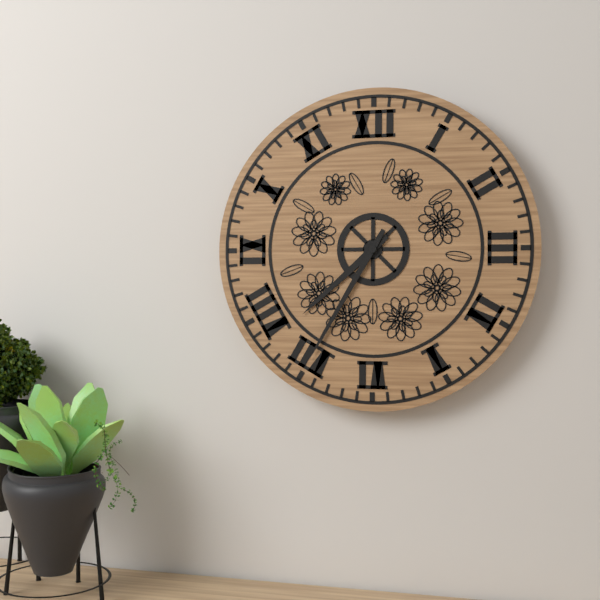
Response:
7,35
